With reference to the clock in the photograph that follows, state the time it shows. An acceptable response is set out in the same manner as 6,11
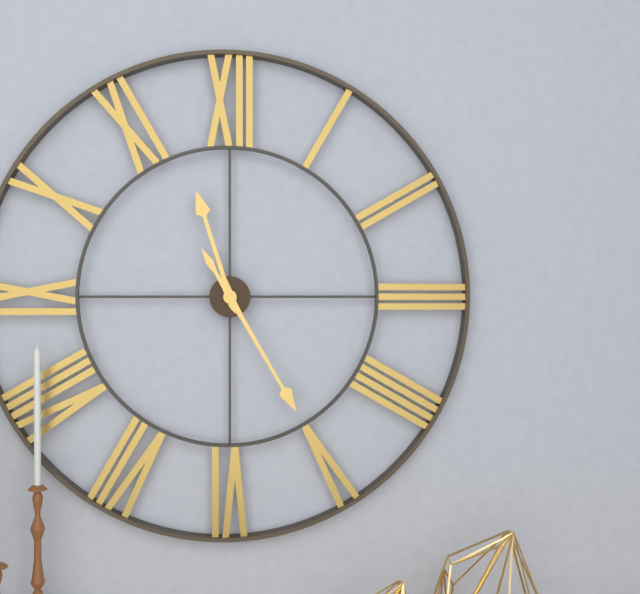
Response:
11,25
